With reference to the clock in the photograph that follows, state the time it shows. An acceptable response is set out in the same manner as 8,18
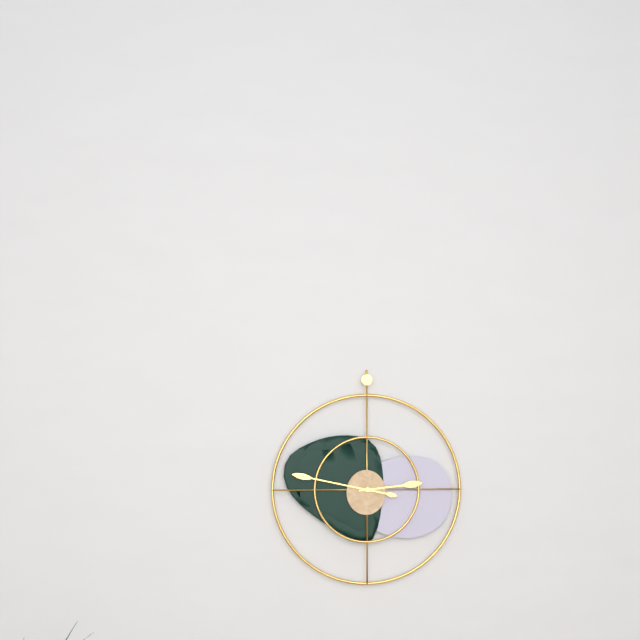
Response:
2,47
